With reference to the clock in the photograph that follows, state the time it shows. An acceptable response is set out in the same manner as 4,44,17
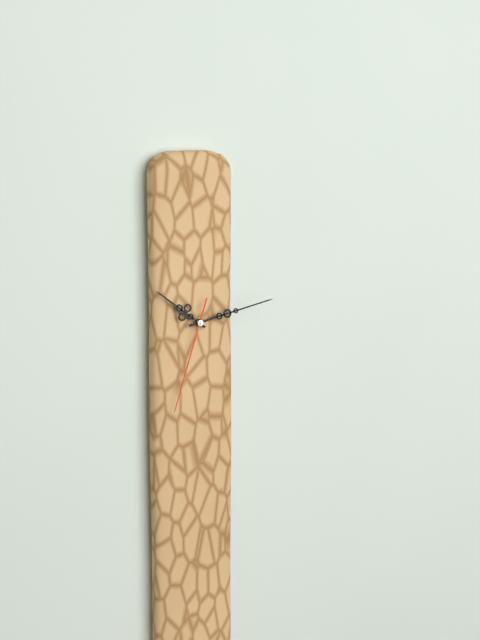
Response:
10,13,33
